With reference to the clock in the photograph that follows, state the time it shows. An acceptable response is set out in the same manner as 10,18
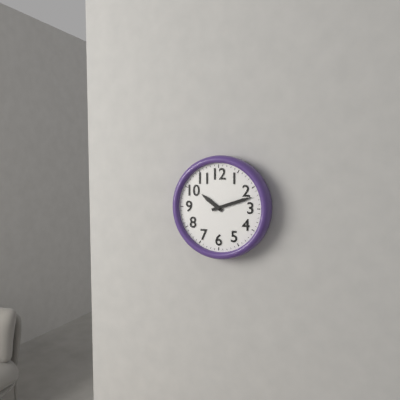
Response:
10,12
